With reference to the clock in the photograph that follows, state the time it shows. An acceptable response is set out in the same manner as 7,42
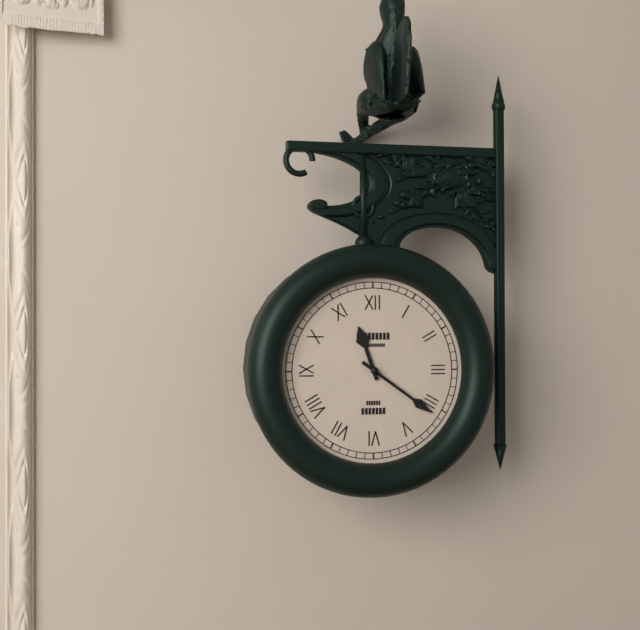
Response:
11,21
